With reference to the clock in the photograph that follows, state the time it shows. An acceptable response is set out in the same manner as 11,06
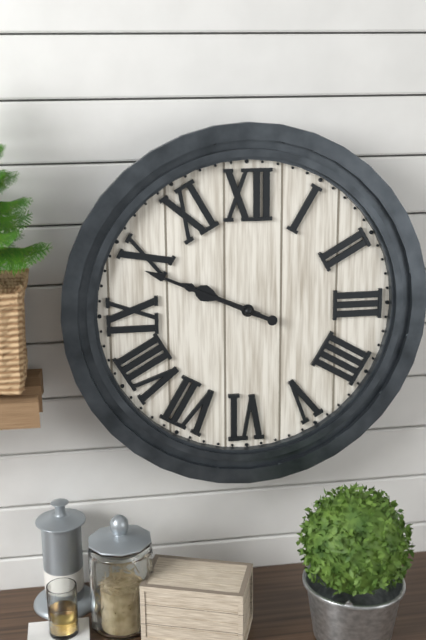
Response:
9,49
